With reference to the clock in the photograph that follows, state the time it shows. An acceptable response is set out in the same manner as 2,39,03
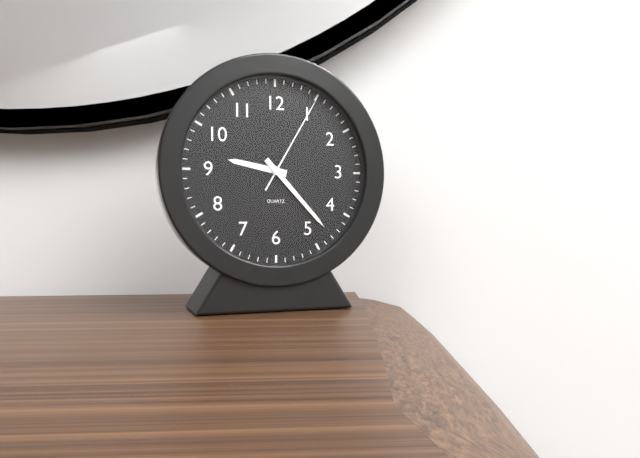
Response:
9,23,05
